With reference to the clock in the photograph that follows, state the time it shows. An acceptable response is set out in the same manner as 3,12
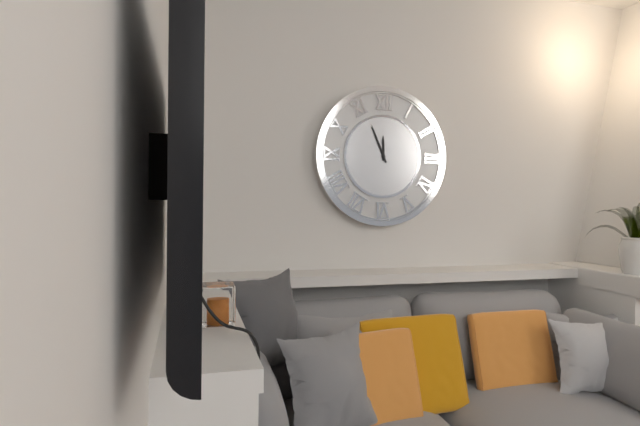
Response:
11,56
